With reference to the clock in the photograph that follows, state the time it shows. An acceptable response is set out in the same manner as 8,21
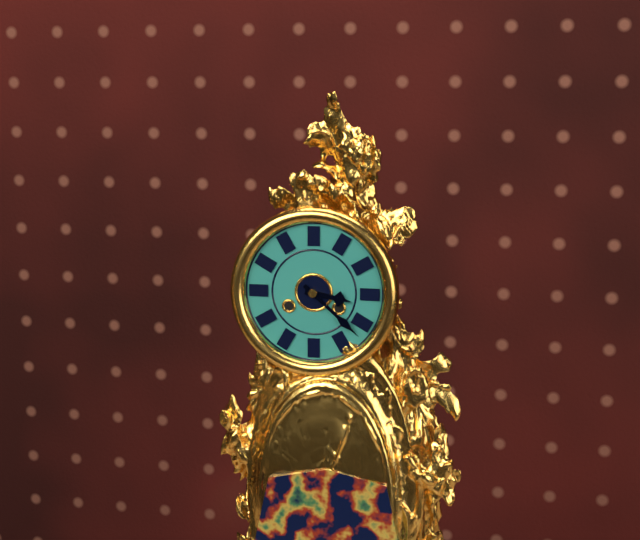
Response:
3,22
